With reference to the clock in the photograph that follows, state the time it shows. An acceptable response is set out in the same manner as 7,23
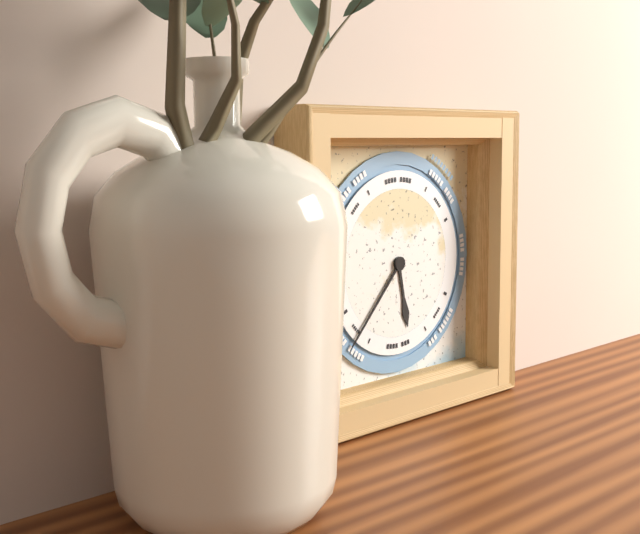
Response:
5,37
